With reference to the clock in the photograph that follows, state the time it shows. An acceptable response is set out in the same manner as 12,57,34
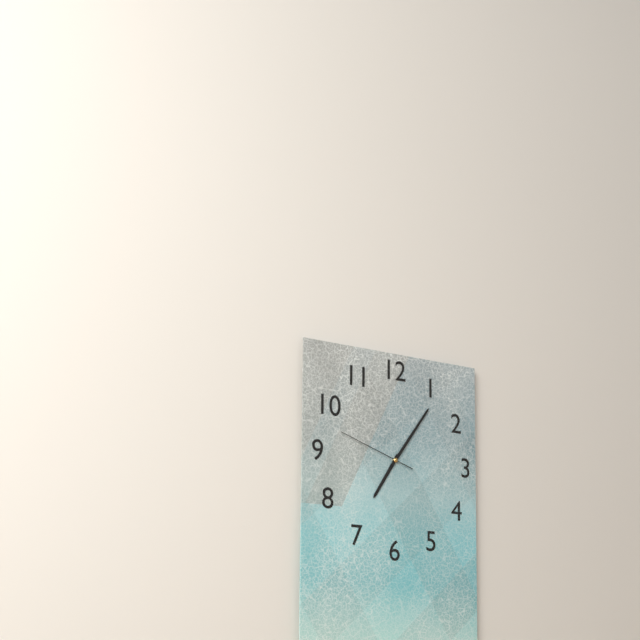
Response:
7,06,48
